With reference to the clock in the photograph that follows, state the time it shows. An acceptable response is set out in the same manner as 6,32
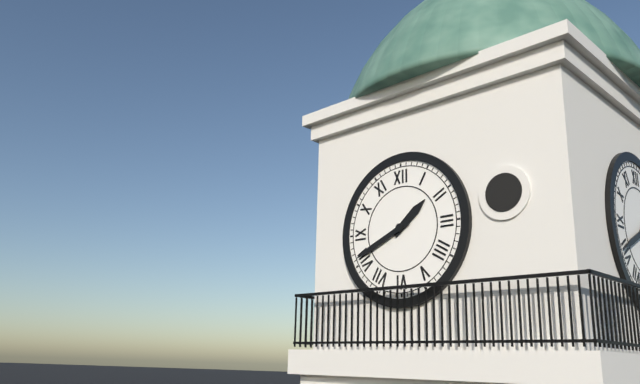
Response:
1,41
